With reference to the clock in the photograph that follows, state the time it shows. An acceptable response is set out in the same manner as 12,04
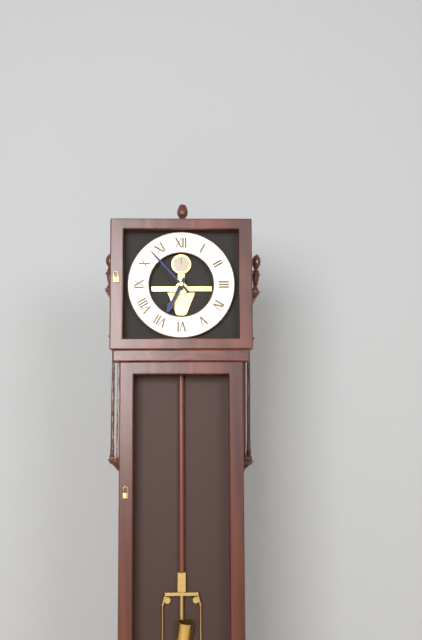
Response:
6,53
